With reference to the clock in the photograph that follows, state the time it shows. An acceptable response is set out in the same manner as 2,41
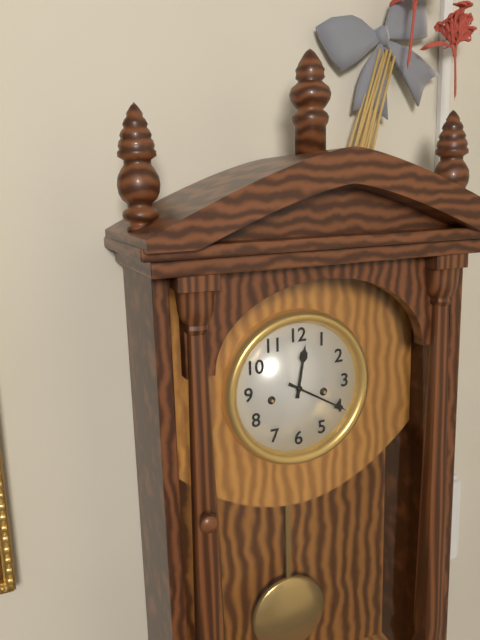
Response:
12,20
